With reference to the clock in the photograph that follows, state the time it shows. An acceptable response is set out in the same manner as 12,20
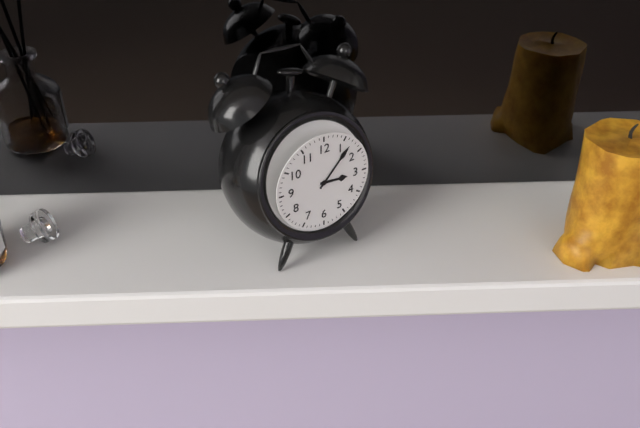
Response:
3,07
